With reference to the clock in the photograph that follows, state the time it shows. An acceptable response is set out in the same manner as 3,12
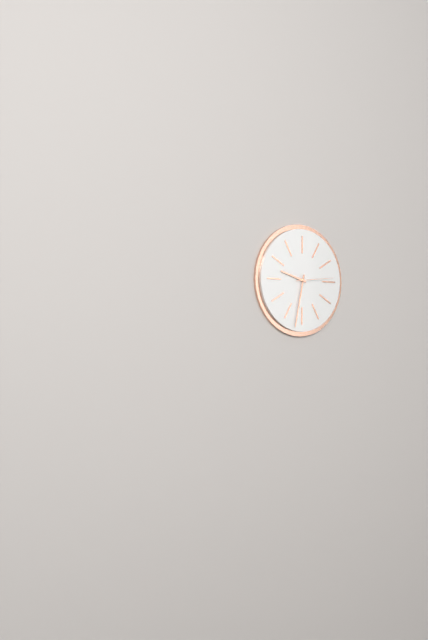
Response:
9,32
